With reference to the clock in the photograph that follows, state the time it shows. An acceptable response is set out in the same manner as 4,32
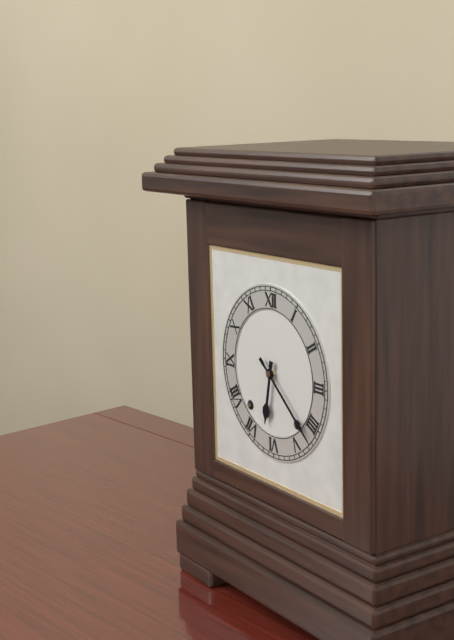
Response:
6,22
